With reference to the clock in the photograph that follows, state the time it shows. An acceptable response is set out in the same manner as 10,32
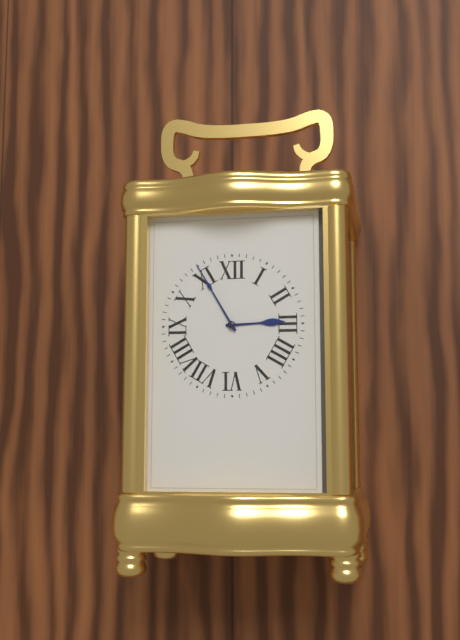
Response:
2,55
